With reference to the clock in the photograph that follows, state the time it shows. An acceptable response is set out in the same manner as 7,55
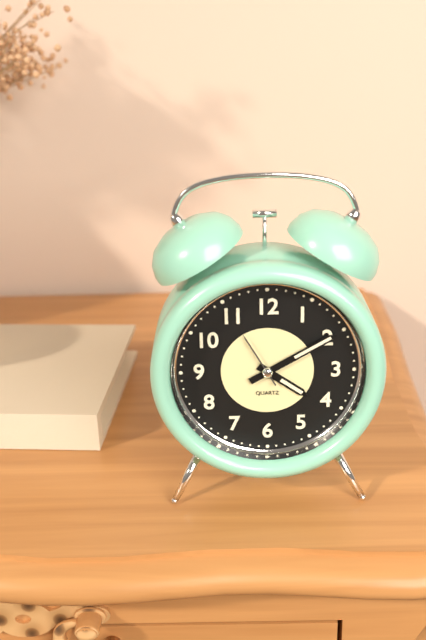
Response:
4,10
